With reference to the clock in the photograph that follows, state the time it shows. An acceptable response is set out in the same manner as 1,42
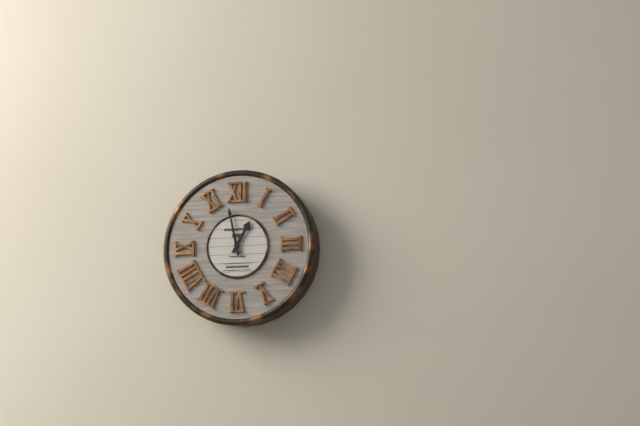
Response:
12,58
